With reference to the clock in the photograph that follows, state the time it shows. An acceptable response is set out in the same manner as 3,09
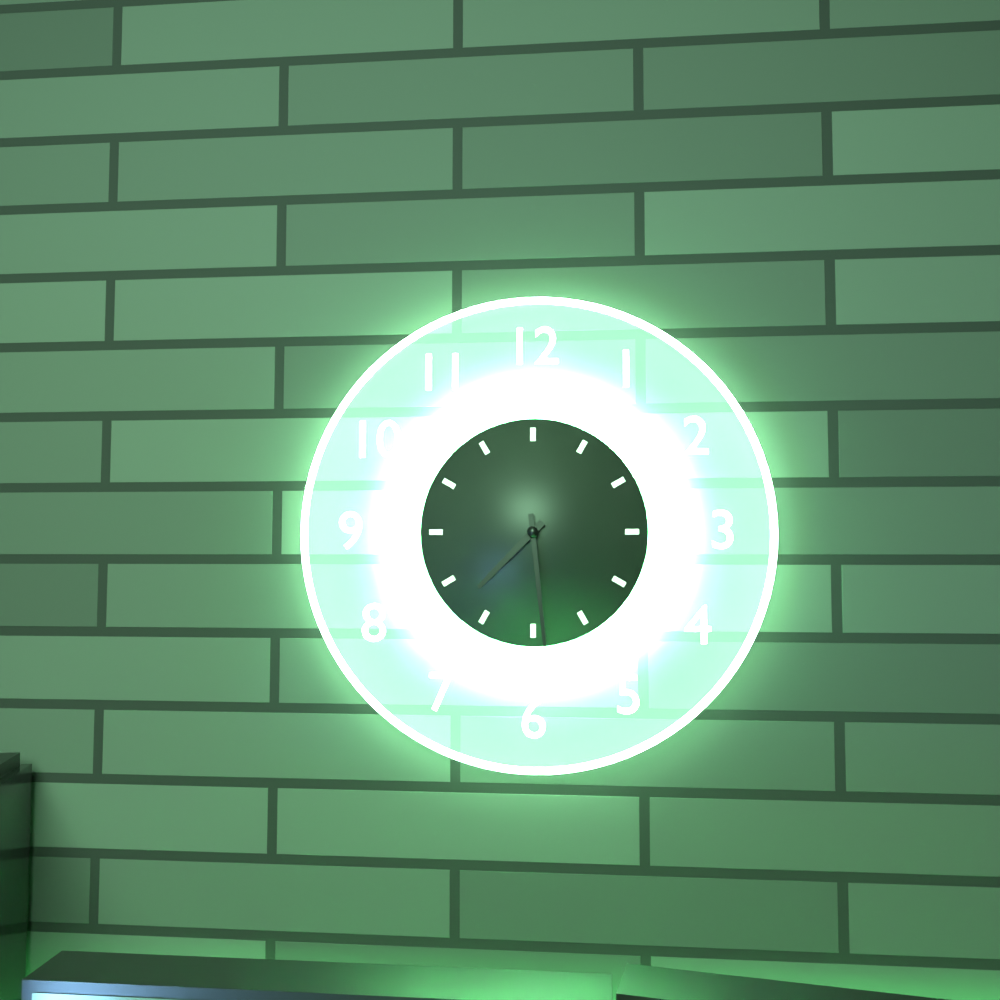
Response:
7,29
